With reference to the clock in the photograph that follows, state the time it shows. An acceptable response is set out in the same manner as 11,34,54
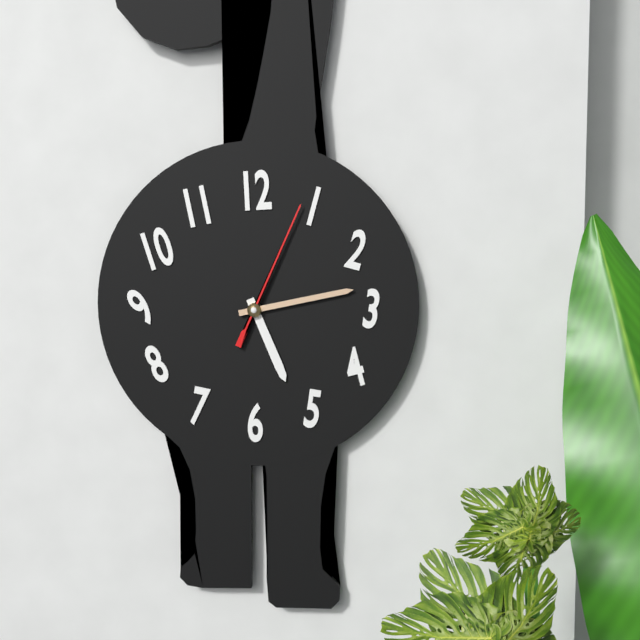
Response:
5,13,04
